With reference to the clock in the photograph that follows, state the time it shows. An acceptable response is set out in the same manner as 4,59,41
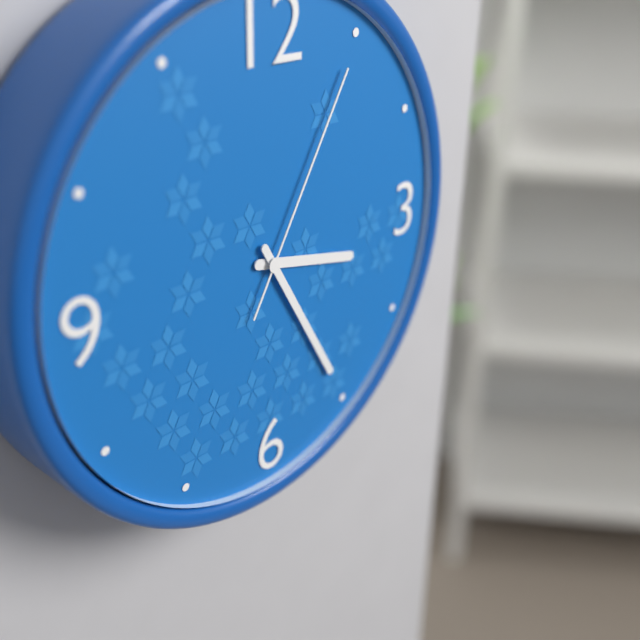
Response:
3,25,05
